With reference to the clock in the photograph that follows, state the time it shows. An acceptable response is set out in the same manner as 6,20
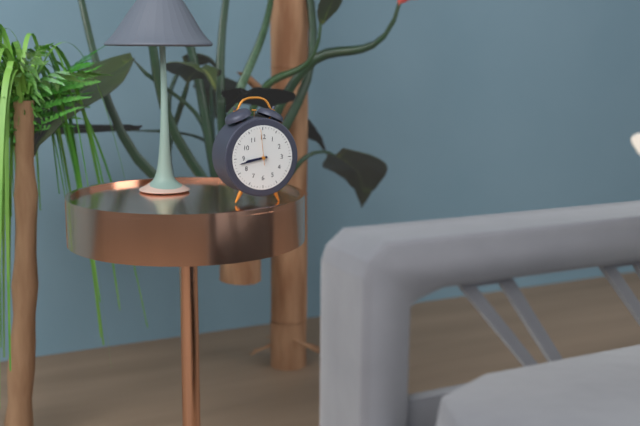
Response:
8,43
